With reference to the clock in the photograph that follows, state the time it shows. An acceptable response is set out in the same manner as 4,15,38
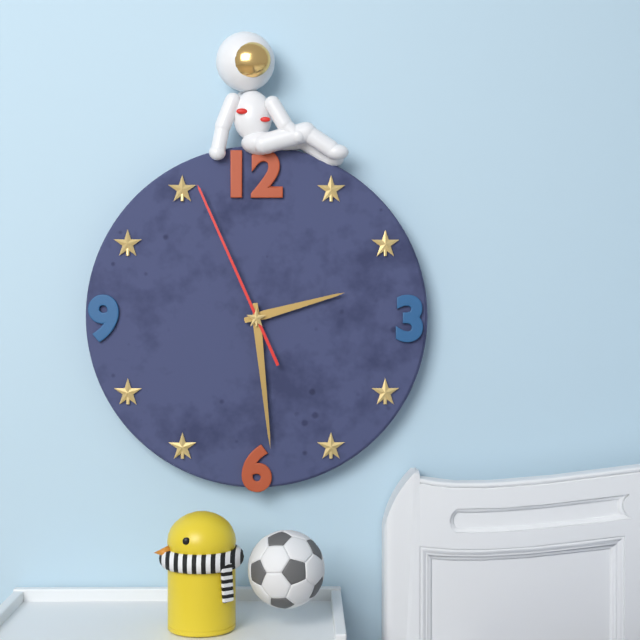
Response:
2,29,56
